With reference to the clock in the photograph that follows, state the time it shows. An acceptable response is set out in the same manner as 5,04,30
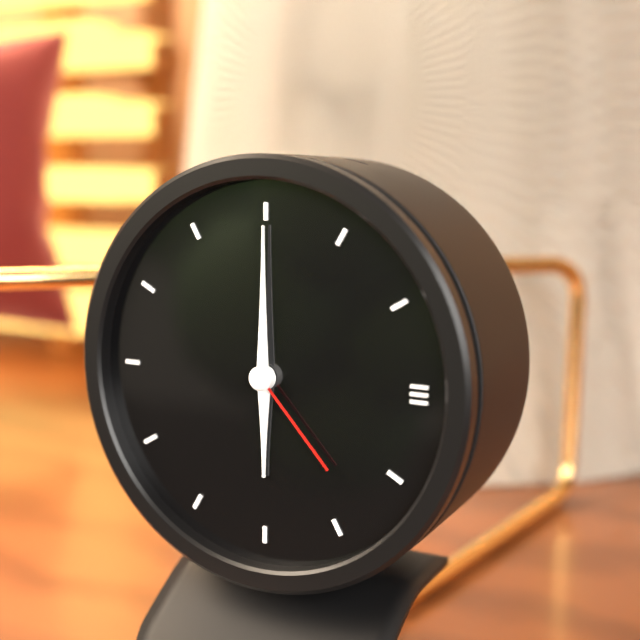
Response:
6,00,23
